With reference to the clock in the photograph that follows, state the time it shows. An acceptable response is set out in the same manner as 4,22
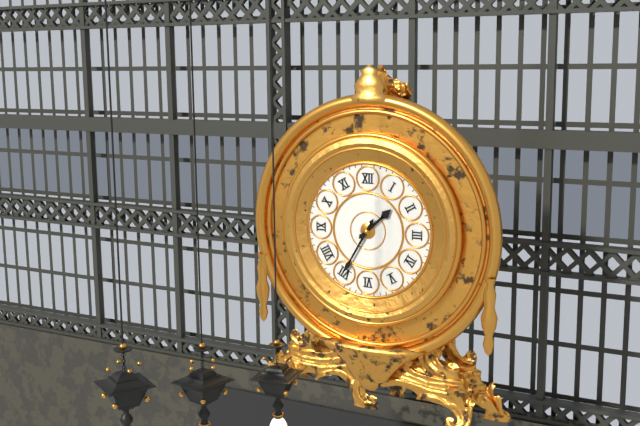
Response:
1,35
